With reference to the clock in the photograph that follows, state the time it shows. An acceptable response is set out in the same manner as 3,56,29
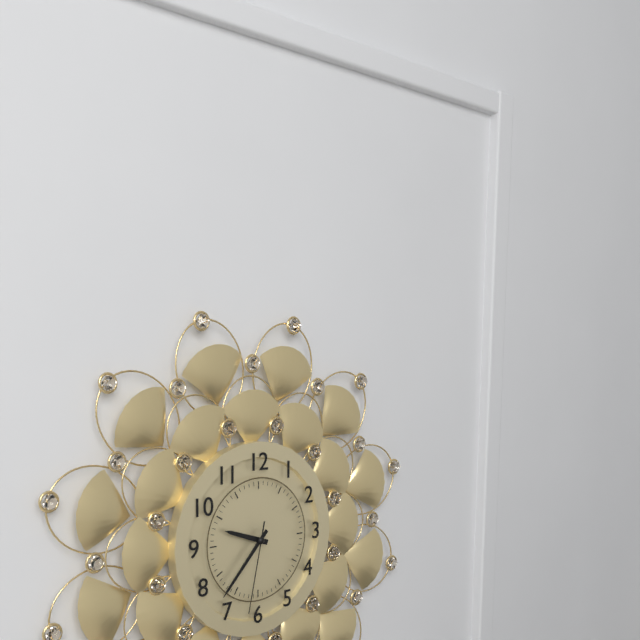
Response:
9,37,32
